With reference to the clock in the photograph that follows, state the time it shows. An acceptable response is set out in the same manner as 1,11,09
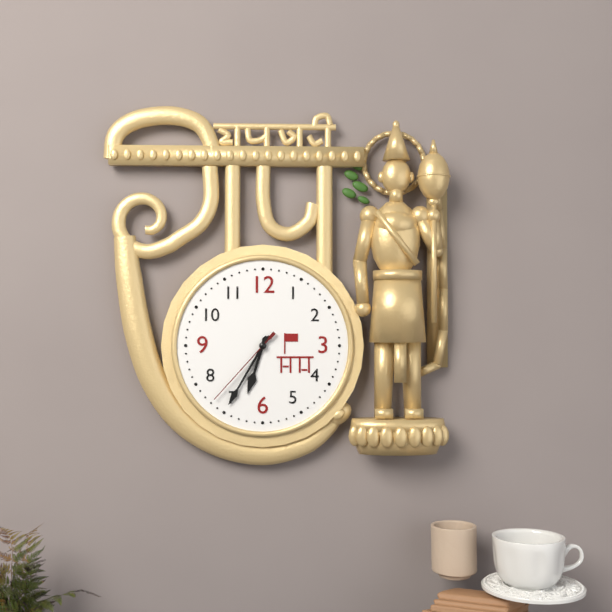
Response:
6,35,37
